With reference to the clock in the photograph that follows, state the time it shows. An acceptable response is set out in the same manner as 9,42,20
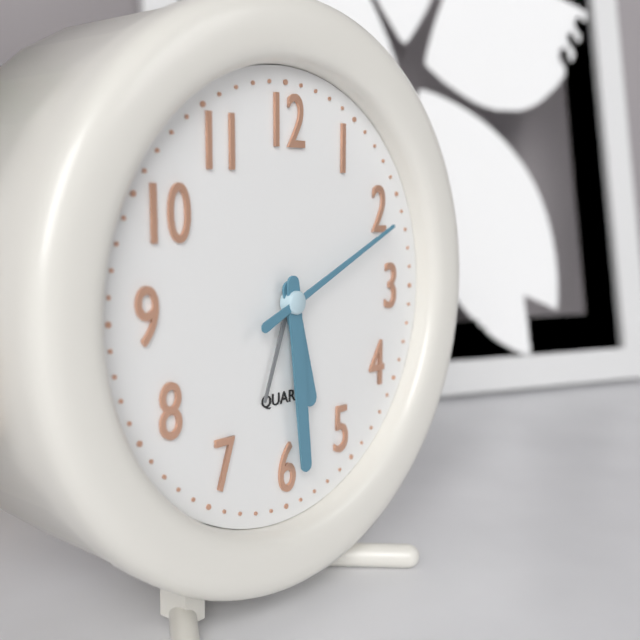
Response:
5,29,11
